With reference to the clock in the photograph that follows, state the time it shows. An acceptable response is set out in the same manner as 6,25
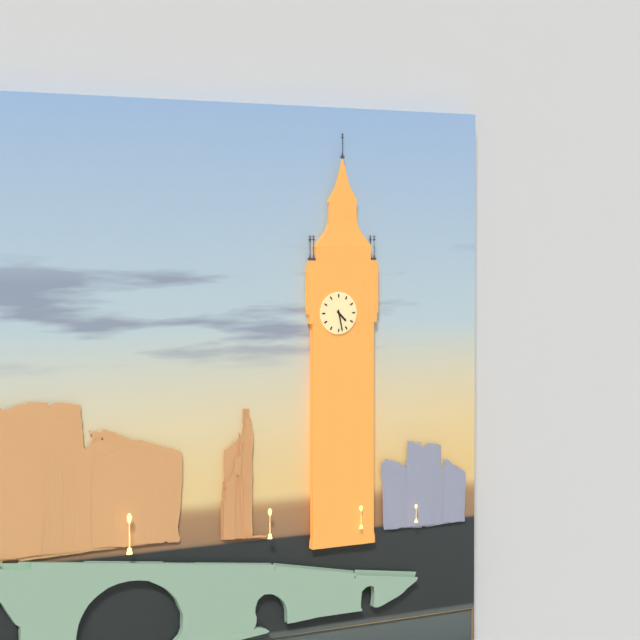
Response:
4,28
